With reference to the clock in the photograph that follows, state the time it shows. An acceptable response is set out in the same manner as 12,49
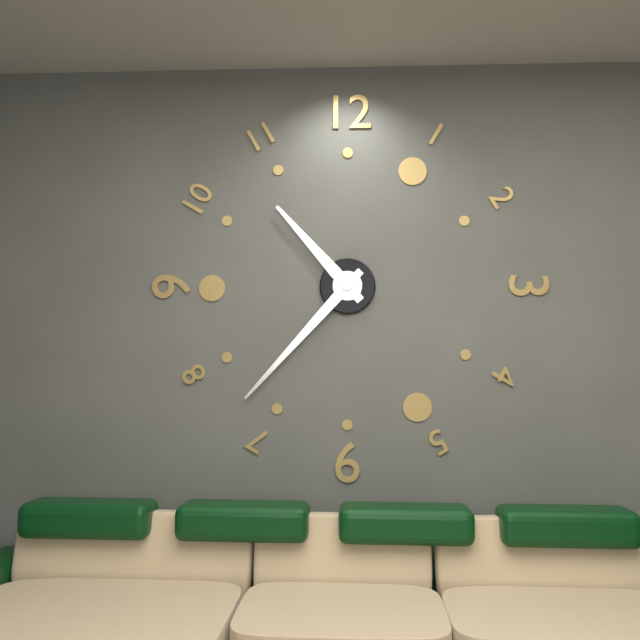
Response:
10,37
